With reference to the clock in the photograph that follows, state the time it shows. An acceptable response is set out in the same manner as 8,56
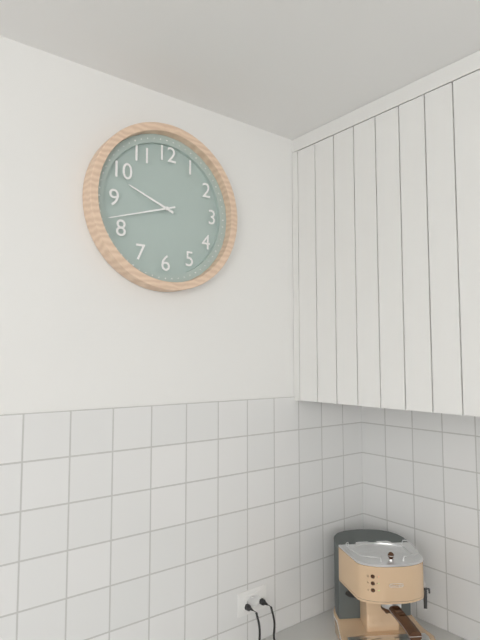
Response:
9,42
